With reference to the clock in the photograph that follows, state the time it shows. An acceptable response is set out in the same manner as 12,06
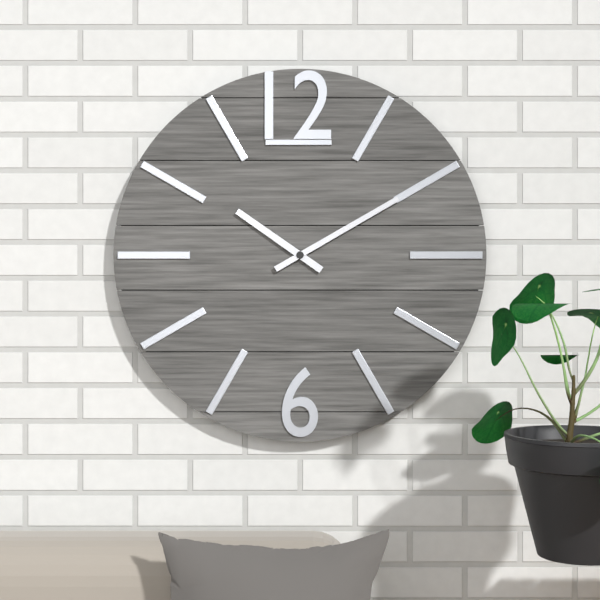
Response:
10,10
